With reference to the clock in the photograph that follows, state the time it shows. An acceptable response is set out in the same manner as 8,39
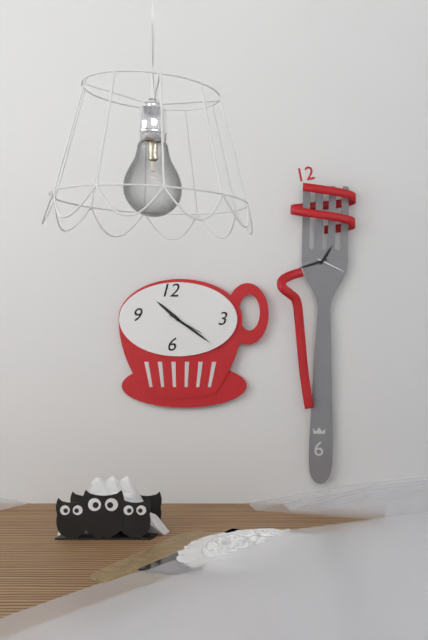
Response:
10,21
